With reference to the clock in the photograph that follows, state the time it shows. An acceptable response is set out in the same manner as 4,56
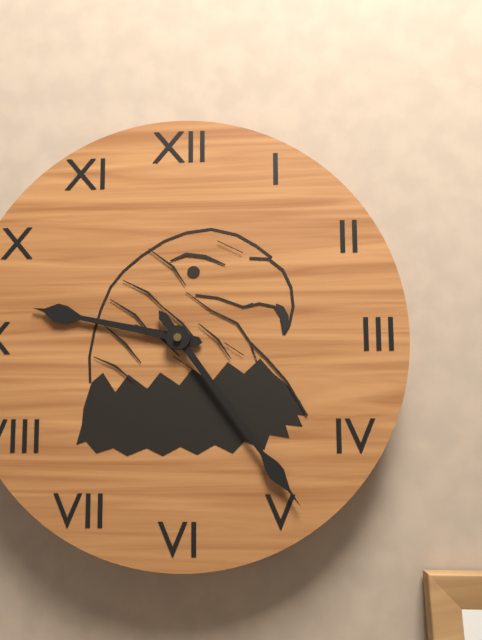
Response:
9,24
